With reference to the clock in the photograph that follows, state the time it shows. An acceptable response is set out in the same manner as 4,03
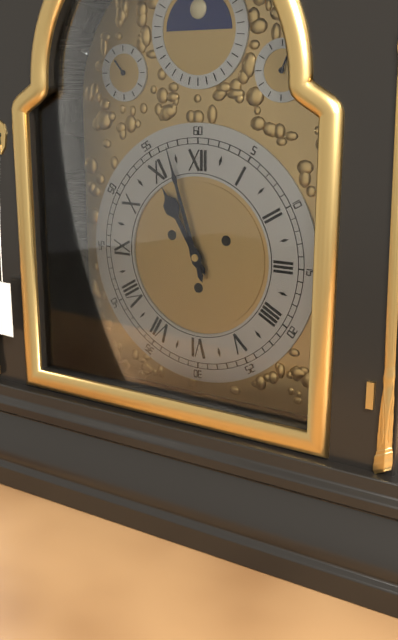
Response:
10,57
